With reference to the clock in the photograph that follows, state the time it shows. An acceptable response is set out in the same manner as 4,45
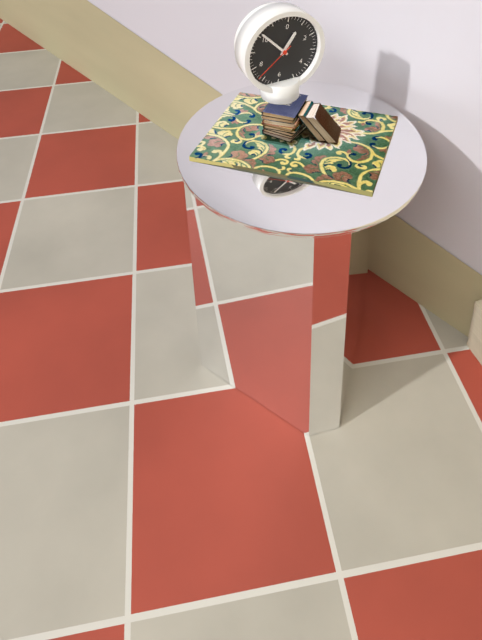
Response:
12,51
